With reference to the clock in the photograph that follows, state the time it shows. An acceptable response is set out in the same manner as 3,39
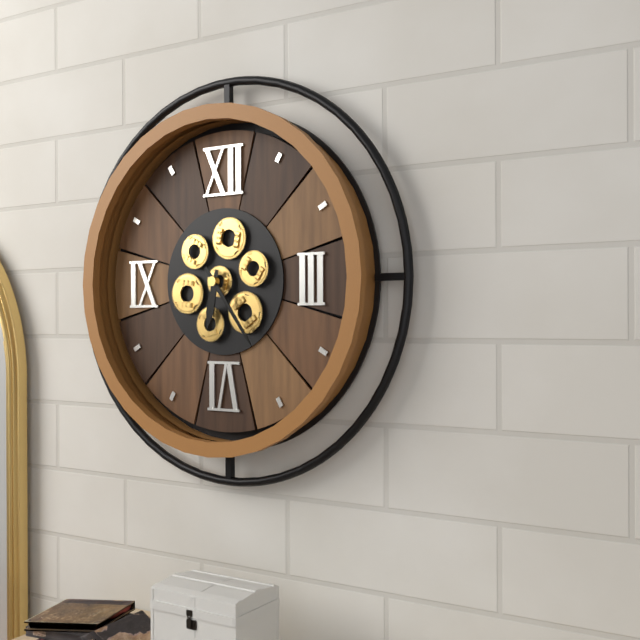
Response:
6,24
